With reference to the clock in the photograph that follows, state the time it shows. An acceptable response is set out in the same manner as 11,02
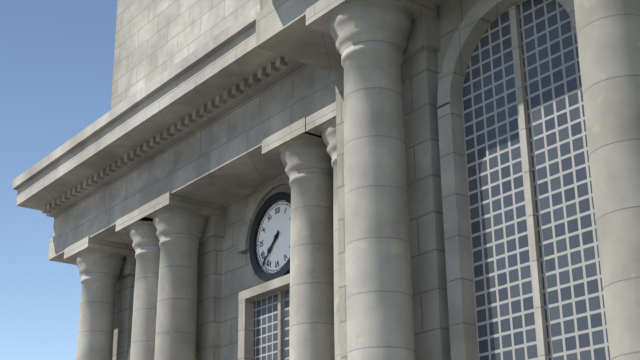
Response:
7,37
